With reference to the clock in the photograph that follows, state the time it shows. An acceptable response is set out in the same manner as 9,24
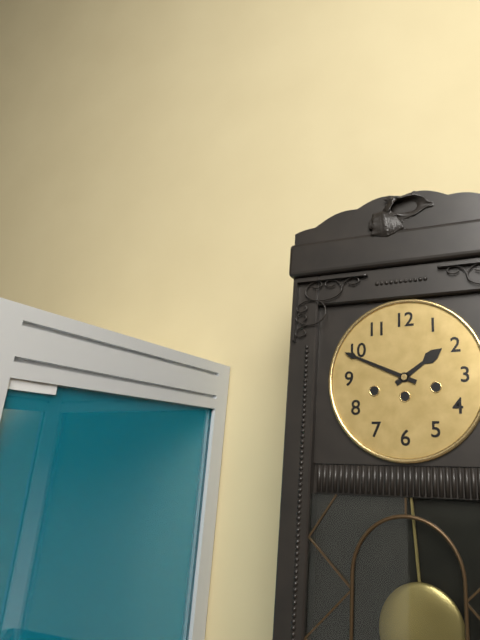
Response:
1,49
